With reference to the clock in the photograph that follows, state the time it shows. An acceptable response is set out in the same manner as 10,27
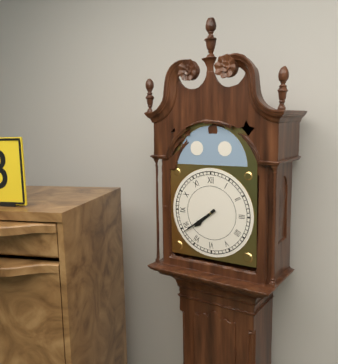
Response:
7,39
